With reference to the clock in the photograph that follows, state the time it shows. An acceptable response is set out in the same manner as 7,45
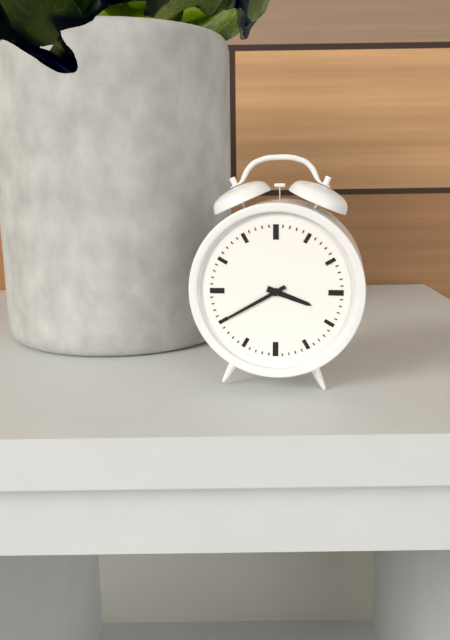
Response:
3,40
